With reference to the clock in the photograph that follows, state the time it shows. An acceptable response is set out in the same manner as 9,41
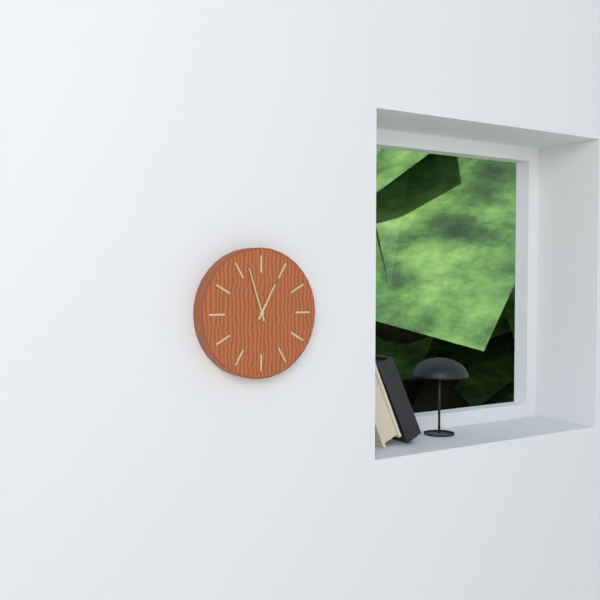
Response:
12,57
